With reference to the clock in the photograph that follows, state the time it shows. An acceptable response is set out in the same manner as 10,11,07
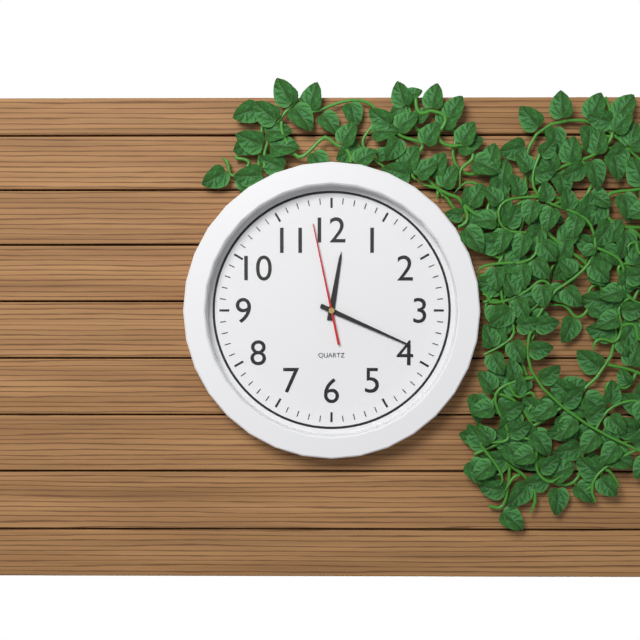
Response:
12,19,58
